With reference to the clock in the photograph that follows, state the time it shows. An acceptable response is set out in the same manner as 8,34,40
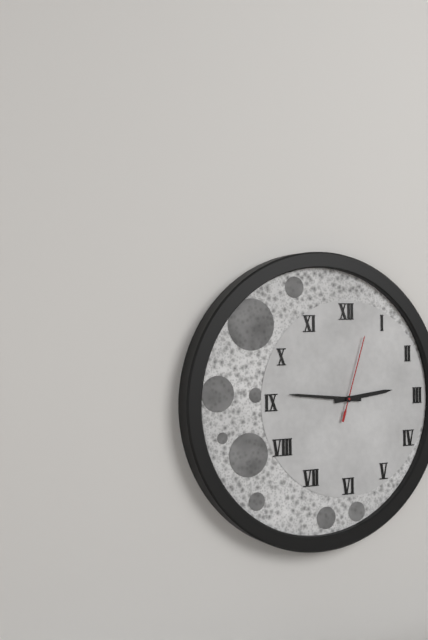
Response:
2,46,03
